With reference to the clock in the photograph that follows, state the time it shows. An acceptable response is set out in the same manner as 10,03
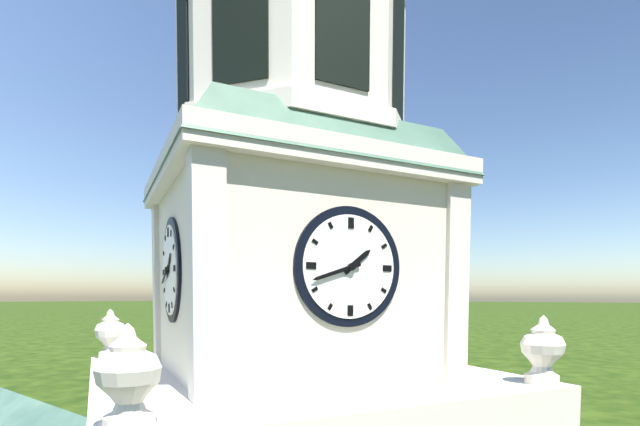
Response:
1,42
